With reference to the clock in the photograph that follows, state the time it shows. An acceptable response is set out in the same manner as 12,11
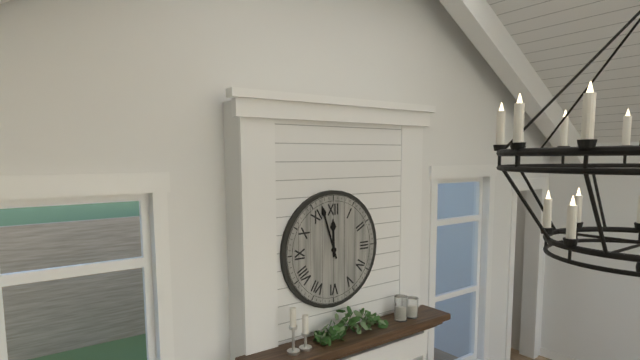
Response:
11,57
